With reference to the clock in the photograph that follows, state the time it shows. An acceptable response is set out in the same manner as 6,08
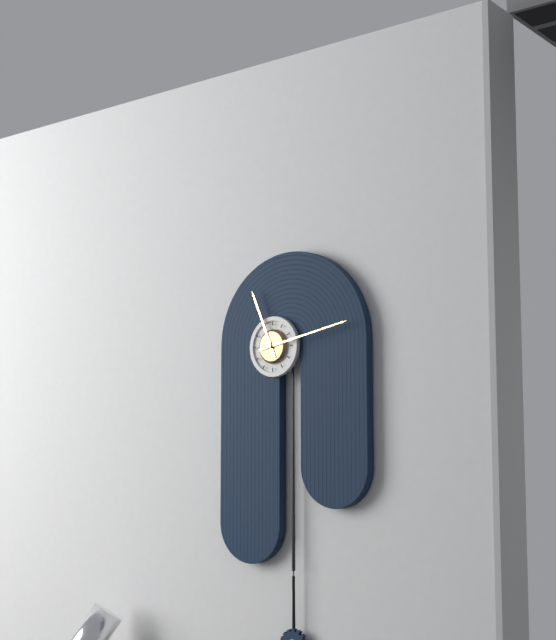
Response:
11,13
